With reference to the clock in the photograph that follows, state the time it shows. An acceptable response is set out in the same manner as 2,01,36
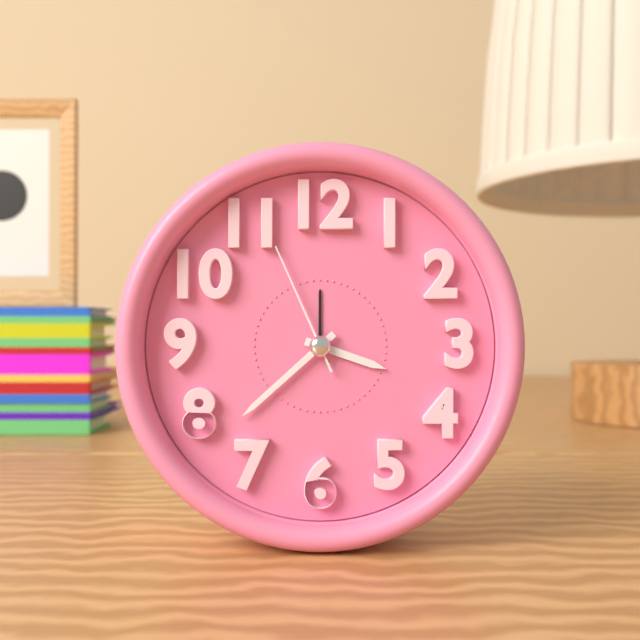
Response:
3,38,56
